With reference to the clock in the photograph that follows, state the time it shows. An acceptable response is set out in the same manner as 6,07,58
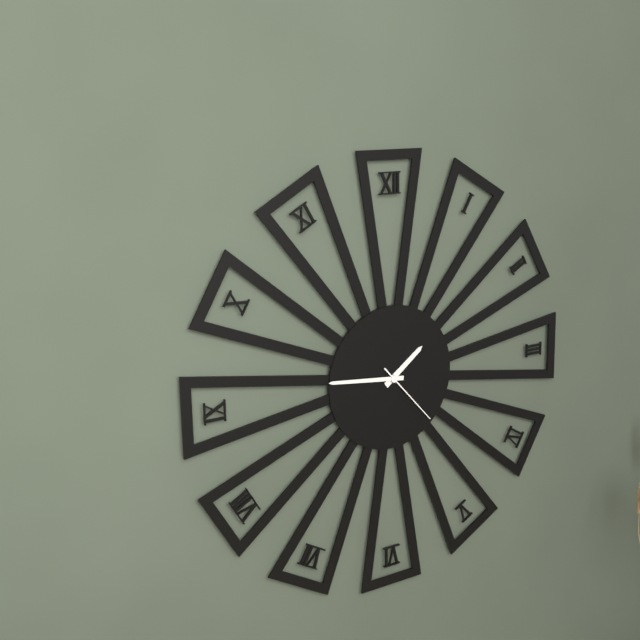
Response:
1,46,23
